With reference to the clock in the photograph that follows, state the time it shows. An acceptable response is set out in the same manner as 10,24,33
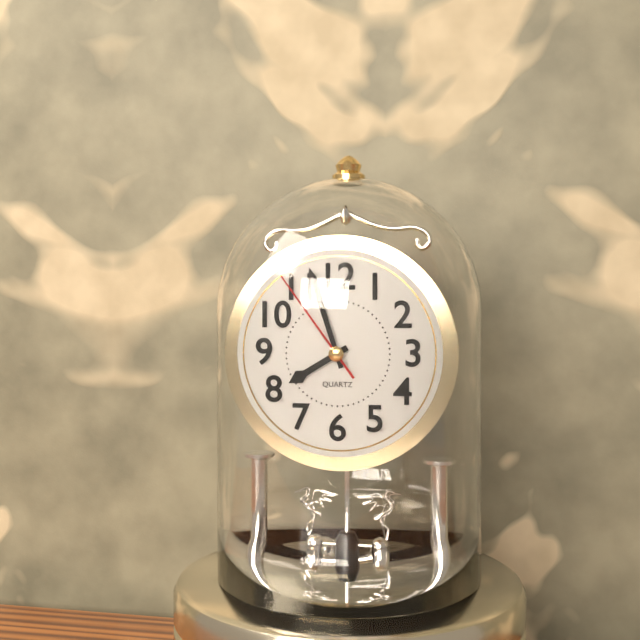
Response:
7,57,54
